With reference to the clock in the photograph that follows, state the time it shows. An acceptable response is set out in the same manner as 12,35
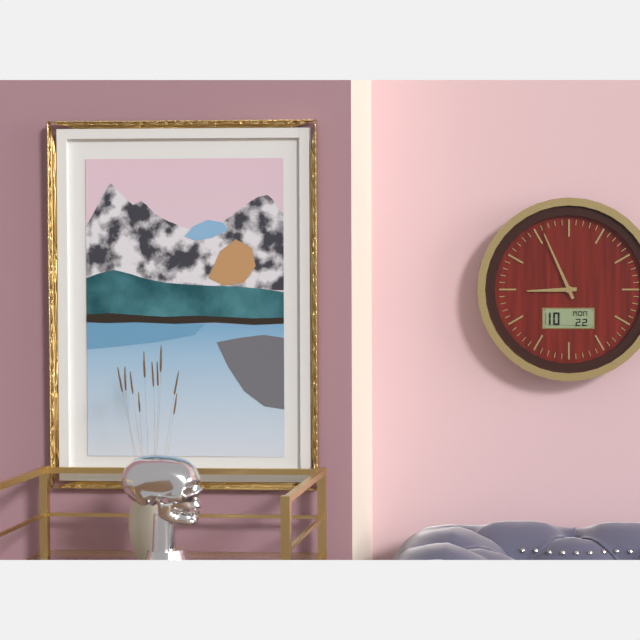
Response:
8,56
